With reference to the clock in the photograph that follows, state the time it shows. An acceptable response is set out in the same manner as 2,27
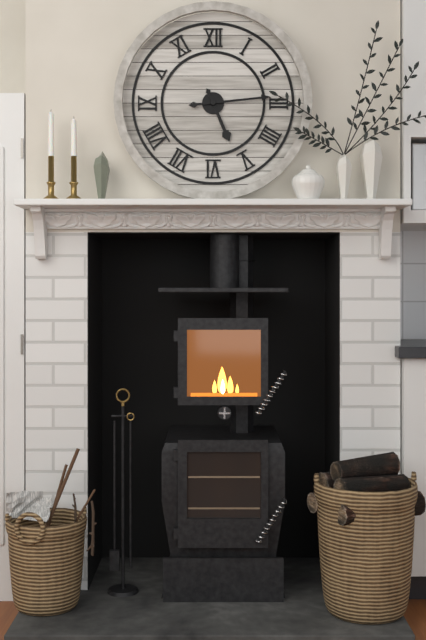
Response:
5,14
